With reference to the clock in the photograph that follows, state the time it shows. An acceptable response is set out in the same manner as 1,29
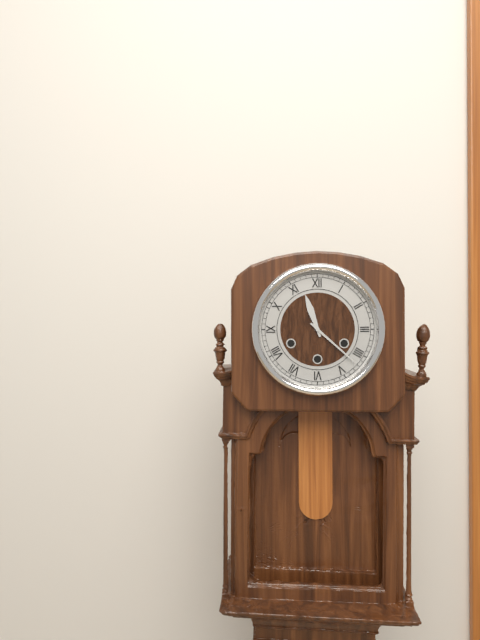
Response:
11,22
